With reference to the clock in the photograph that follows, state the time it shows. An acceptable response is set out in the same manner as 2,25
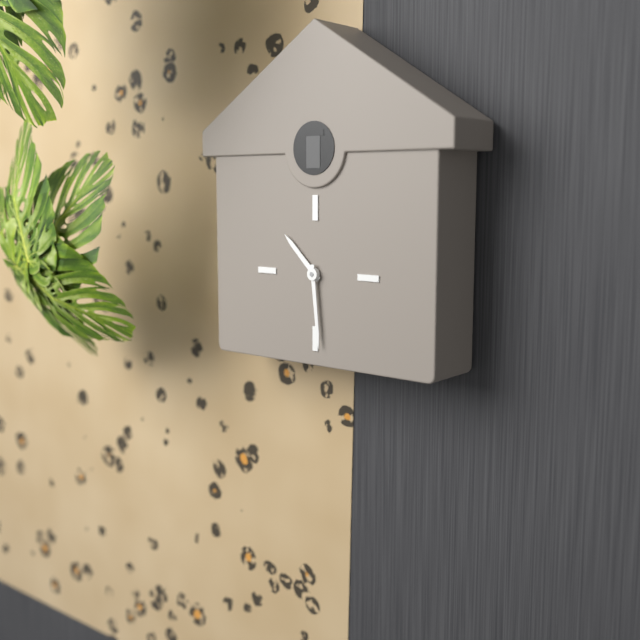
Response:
10,29
